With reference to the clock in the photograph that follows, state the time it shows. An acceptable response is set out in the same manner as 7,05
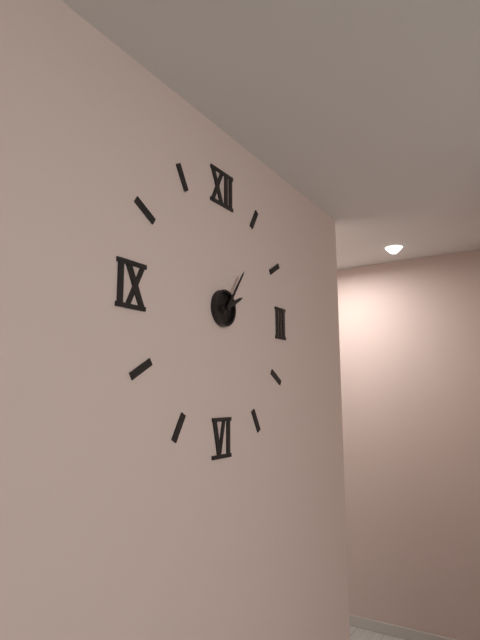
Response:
2,06
